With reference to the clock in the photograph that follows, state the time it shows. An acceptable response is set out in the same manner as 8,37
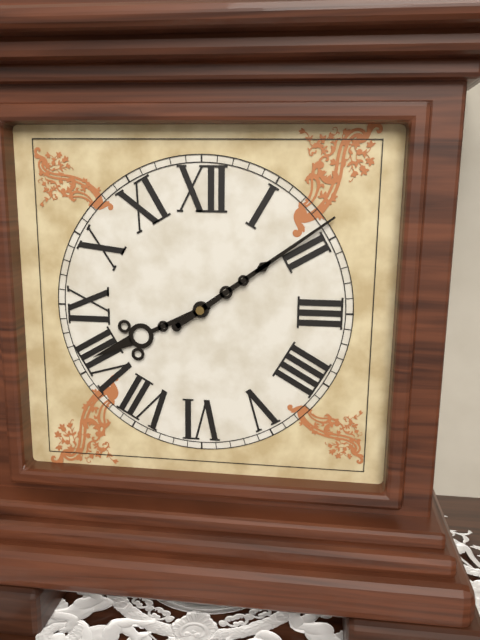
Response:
8,09
